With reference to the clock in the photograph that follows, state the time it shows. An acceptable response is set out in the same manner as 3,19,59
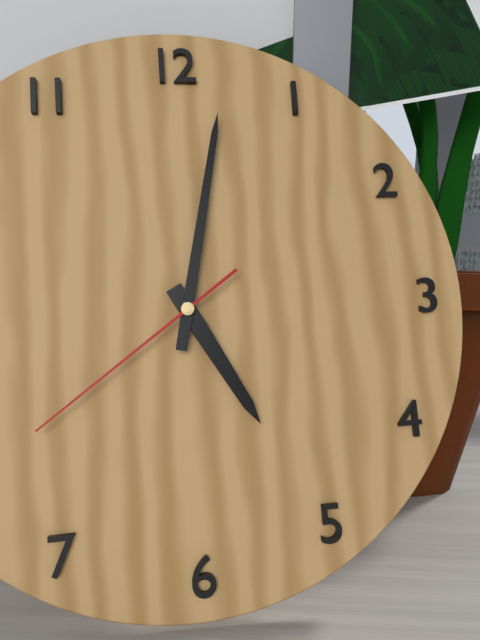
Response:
5,02,39
